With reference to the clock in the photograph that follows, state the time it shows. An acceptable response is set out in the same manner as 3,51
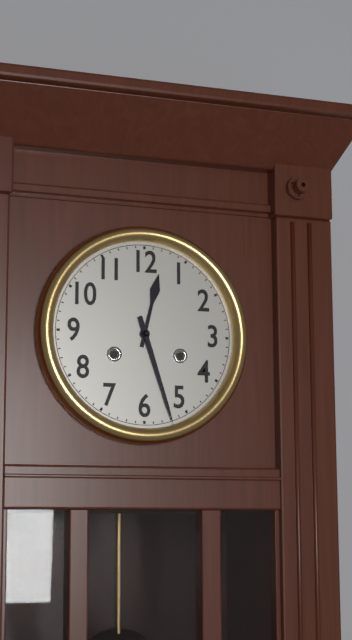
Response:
12,27
